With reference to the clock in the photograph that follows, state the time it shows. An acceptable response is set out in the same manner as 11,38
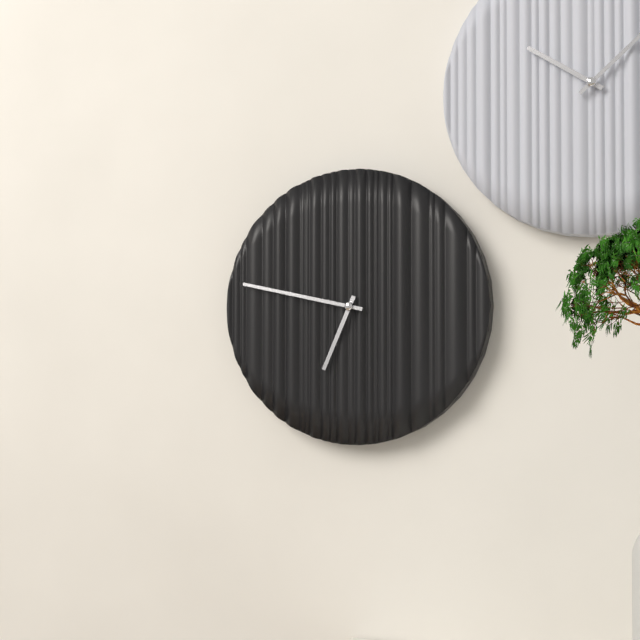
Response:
6,47
